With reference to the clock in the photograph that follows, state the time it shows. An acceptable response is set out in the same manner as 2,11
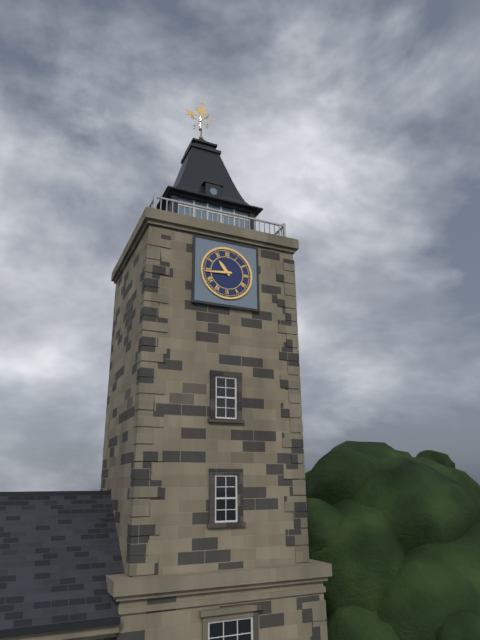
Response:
10,44
